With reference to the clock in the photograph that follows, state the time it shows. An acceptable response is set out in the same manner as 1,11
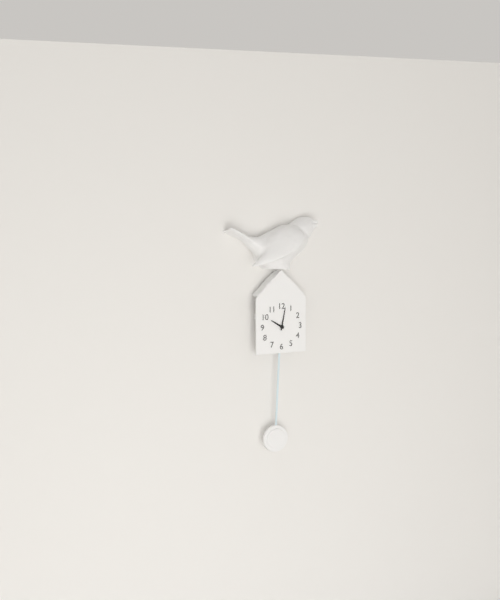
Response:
10,02
